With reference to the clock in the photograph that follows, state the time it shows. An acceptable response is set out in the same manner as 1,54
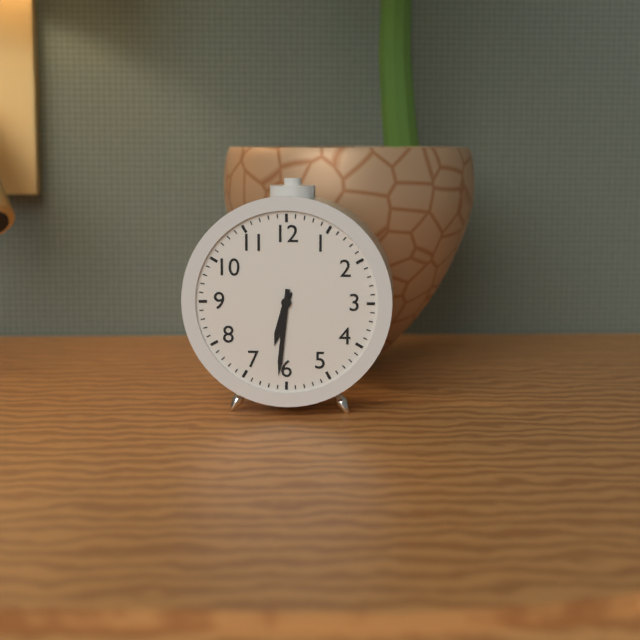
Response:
6,31
